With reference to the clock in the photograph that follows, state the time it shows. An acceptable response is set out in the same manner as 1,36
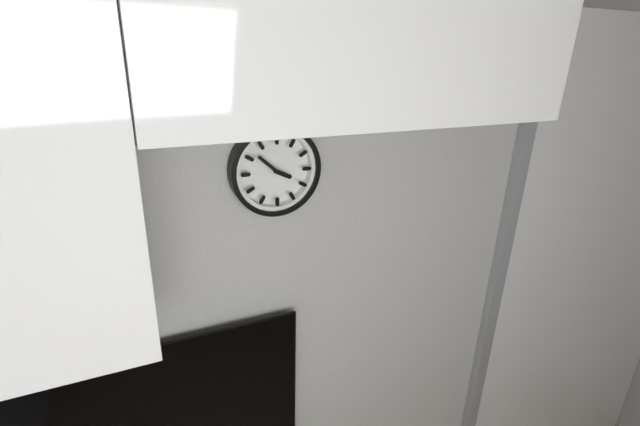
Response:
3,52
